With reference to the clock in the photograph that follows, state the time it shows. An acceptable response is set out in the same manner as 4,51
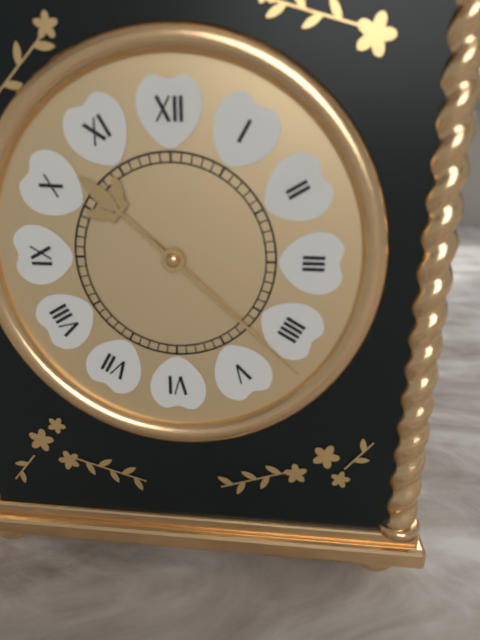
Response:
10,22
